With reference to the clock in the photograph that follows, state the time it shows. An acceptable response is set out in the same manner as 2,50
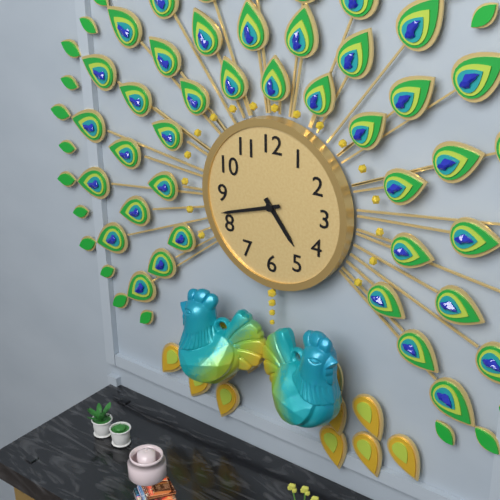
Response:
4,42
